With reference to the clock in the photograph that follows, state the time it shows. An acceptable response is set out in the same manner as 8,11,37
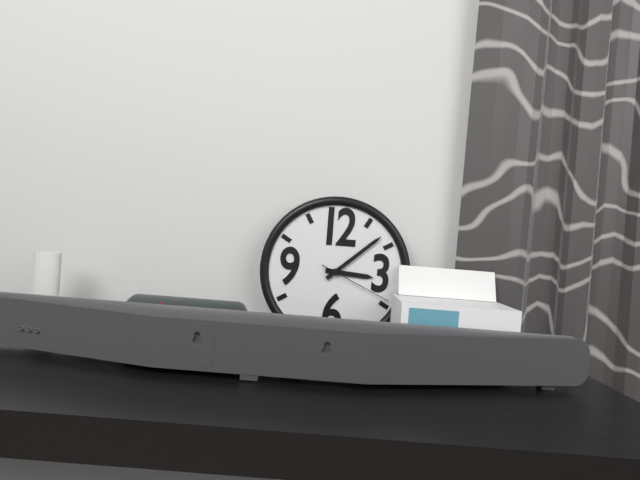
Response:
3,08,19
